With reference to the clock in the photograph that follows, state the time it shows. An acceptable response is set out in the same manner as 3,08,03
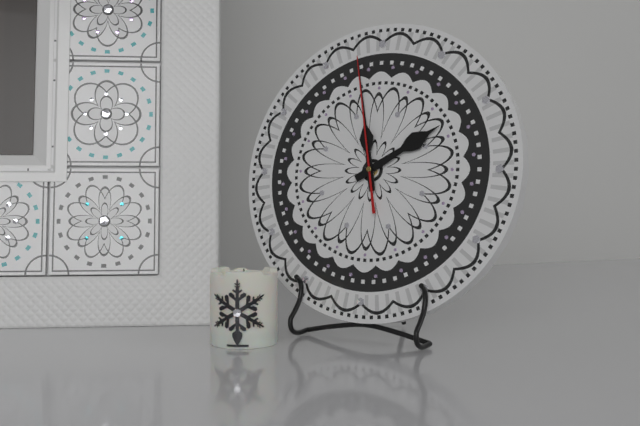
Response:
1,58,58
